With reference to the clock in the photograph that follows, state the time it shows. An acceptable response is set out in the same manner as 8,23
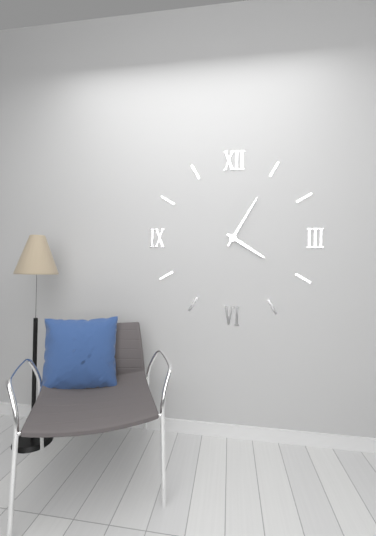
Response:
4,05
